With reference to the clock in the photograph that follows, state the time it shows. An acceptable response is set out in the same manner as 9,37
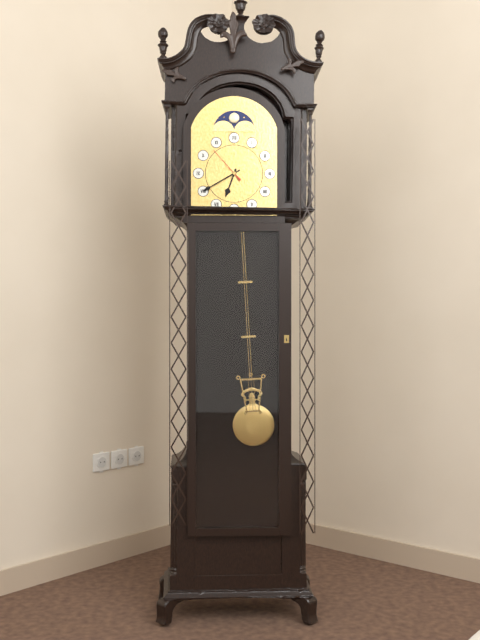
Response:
6,40
